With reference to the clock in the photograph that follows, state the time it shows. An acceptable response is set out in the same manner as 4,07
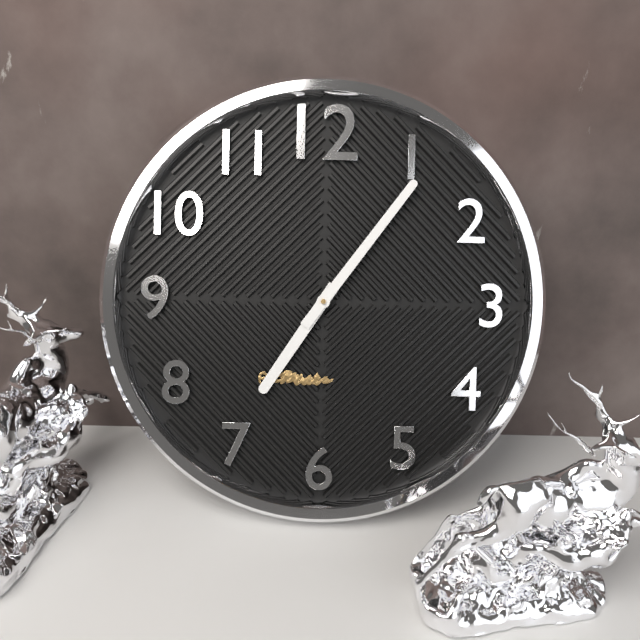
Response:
7,06
